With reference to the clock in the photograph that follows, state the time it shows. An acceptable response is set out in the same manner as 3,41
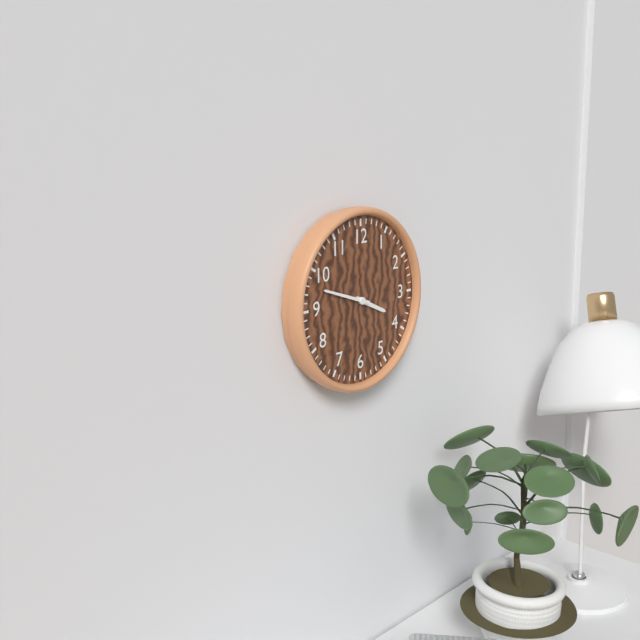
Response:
3,48
